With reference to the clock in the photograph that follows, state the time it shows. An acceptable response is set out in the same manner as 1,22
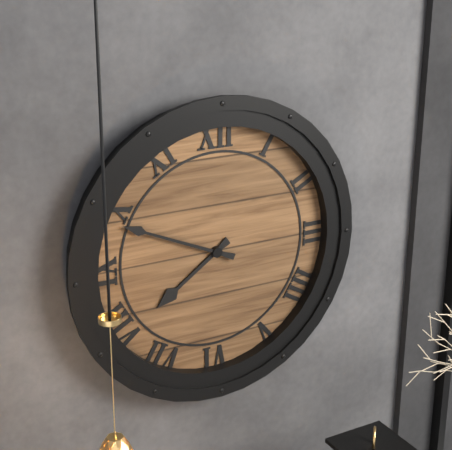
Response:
7,49
